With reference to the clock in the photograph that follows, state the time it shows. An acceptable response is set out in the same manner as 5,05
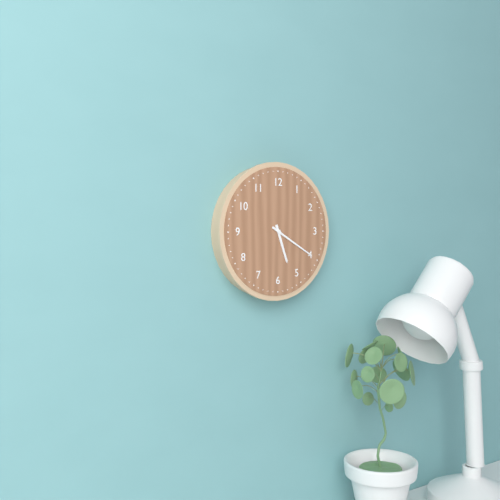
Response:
5,20
